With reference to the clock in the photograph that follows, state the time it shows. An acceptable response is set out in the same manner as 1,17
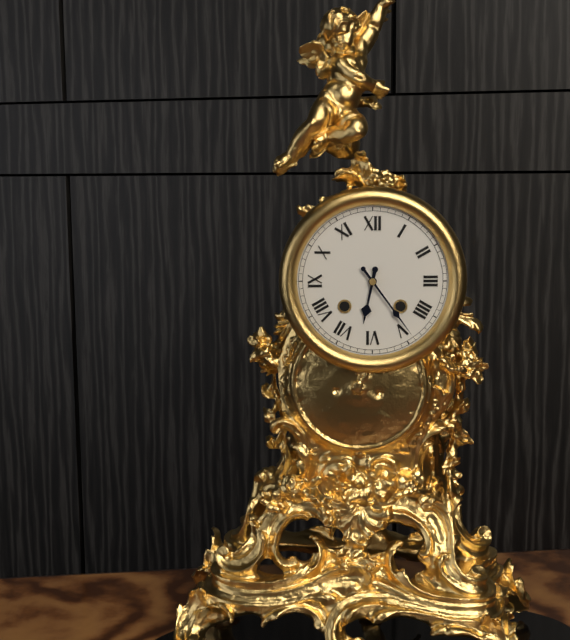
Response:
6,24
